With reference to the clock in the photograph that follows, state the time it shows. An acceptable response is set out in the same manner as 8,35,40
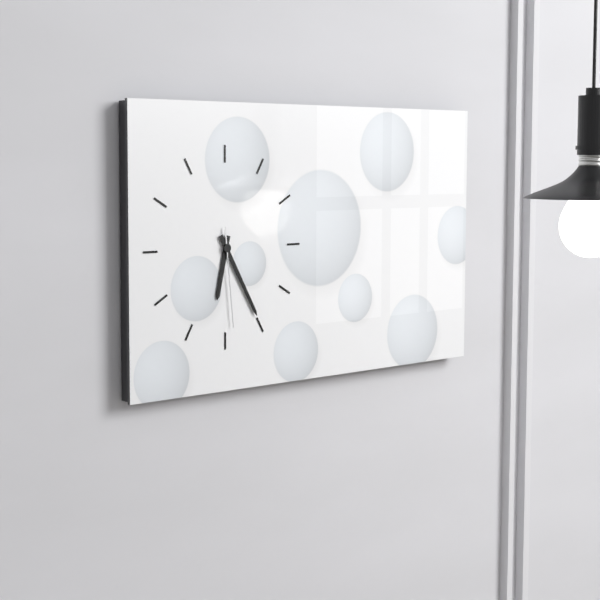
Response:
6,25,29
